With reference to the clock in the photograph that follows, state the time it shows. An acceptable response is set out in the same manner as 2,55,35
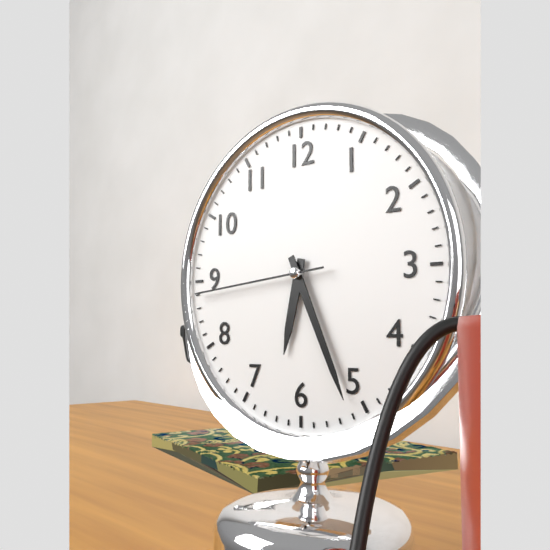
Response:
6,26,44
